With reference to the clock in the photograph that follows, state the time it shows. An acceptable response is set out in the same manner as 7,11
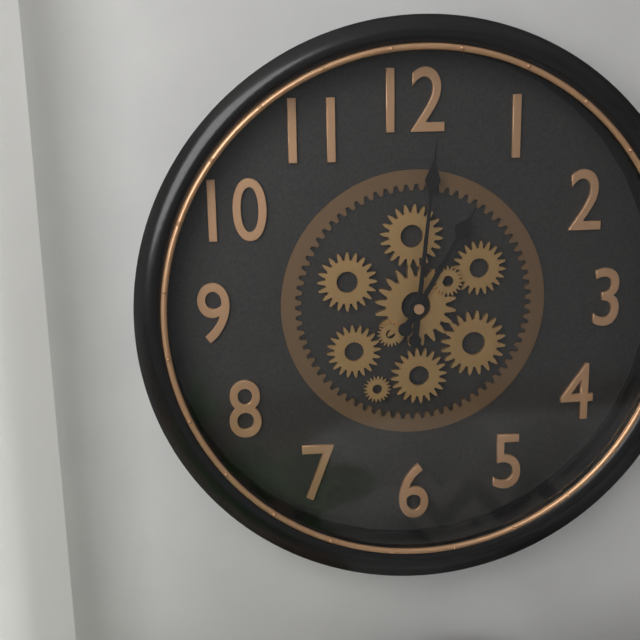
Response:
1,01
